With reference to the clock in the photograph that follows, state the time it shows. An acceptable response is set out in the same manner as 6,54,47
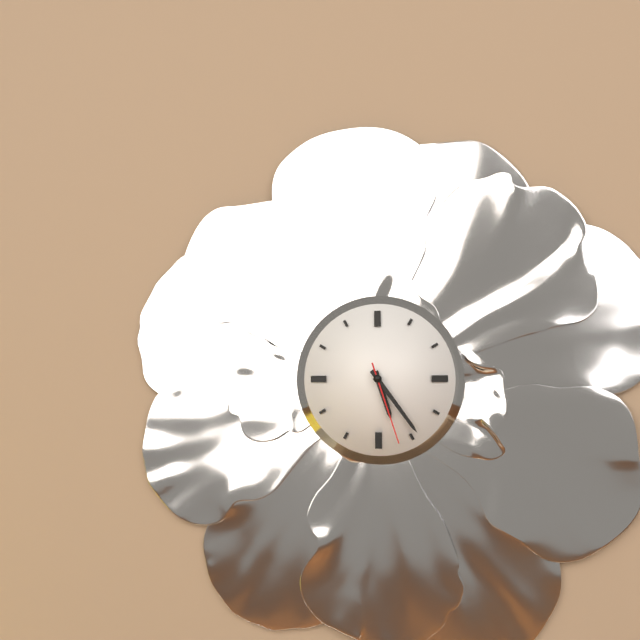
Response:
5,24,27
